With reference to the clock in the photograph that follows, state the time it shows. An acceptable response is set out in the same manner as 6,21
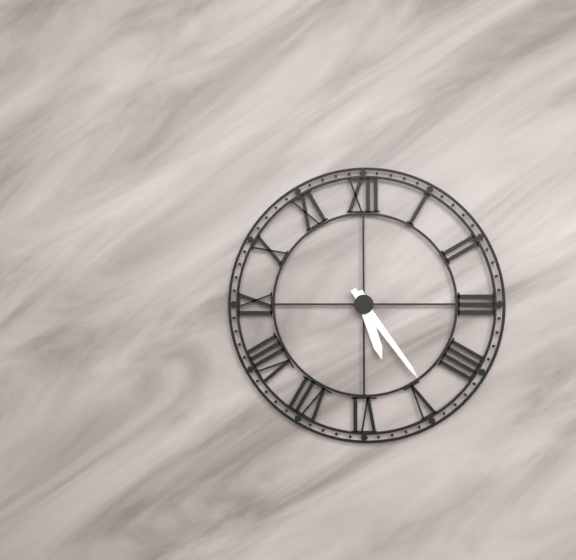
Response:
5,24
